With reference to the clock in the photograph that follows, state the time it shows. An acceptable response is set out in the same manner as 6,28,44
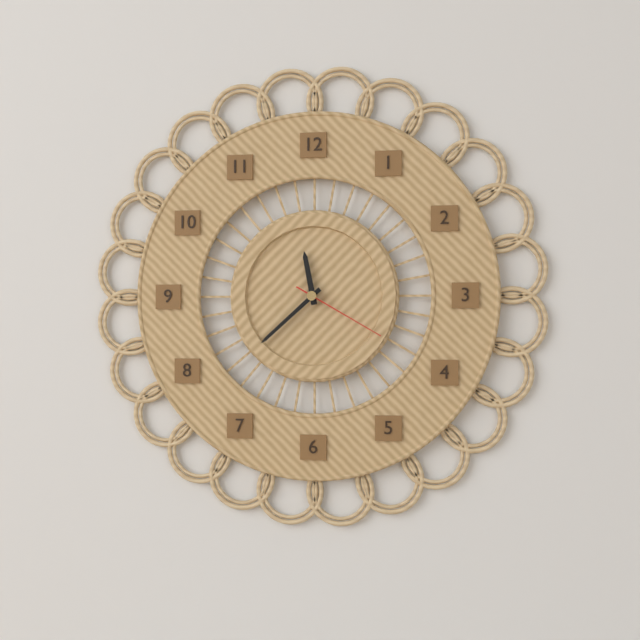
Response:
11,38,20
